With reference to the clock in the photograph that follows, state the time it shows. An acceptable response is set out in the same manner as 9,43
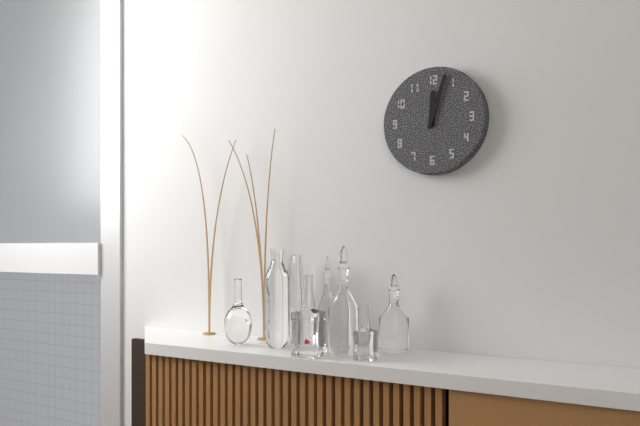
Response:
12,03
